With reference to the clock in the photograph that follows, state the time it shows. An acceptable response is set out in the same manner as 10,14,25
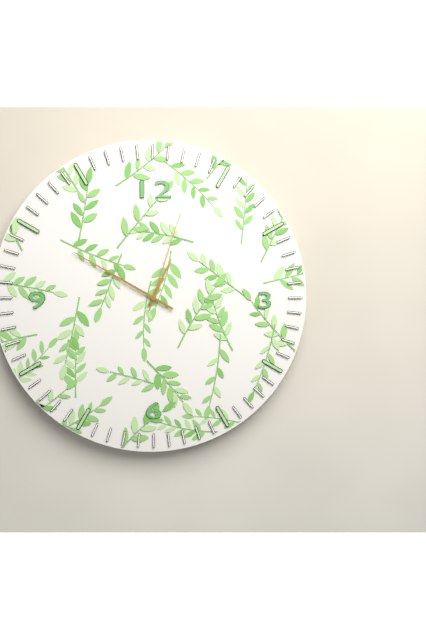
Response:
12,50,03
